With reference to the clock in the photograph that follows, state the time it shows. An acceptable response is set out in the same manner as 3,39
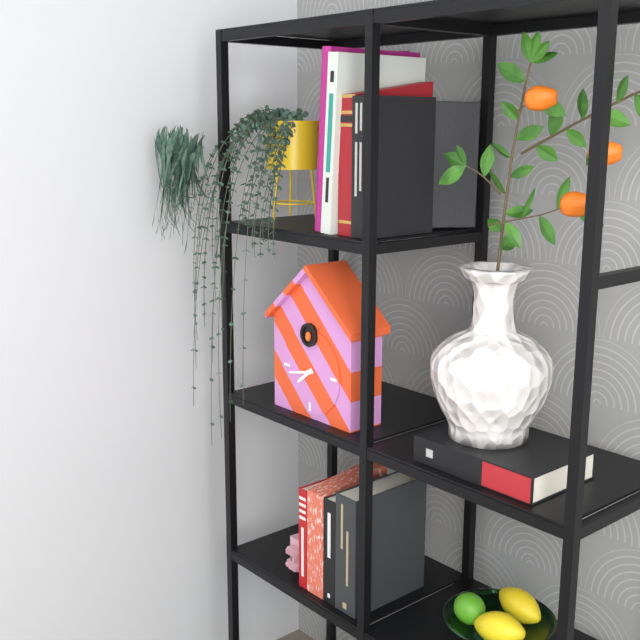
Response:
7,43
